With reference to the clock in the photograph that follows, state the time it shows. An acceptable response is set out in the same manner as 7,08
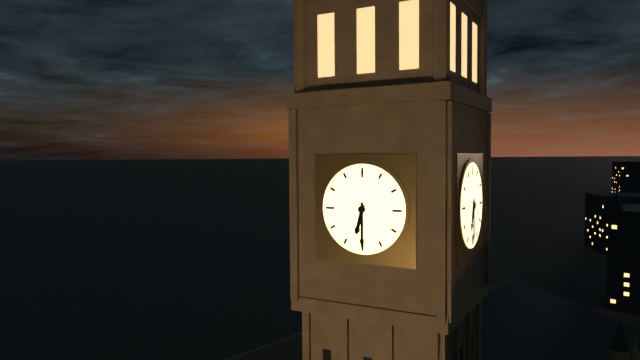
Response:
6,30
